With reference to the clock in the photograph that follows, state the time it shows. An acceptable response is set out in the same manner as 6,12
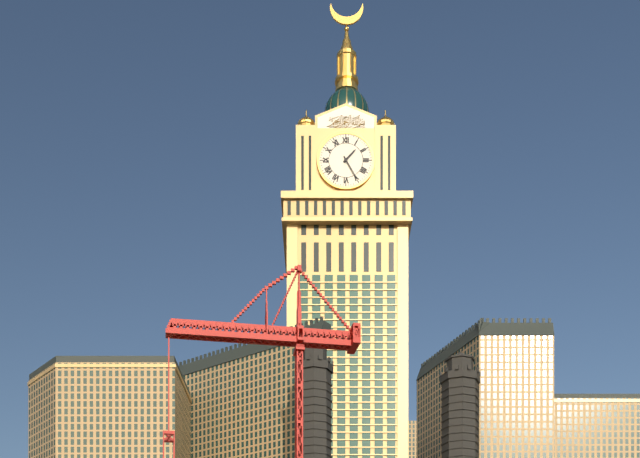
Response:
1,25
